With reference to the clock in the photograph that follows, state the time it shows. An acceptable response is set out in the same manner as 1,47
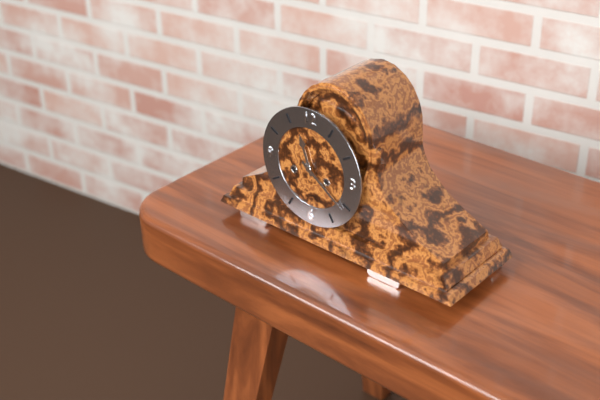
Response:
11,21
